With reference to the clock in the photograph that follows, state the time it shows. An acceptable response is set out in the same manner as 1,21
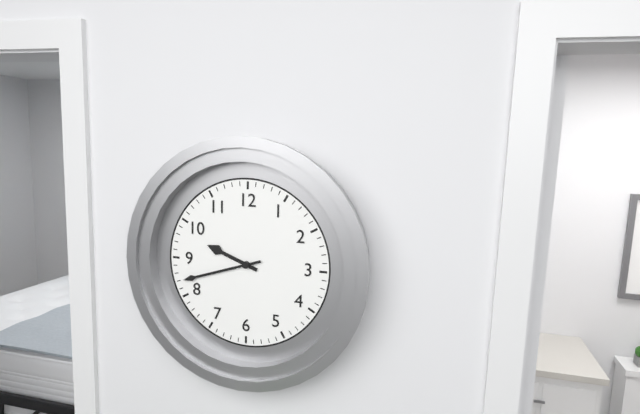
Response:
9,42
